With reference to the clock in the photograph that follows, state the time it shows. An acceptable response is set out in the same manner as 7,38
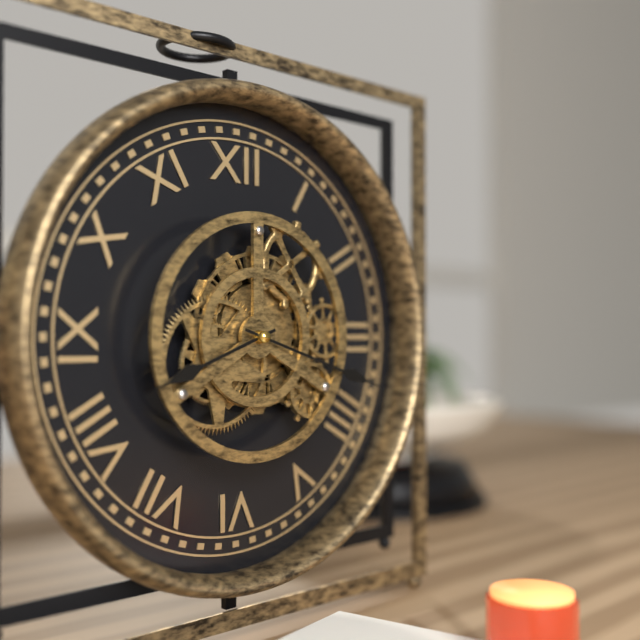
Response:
8,18
